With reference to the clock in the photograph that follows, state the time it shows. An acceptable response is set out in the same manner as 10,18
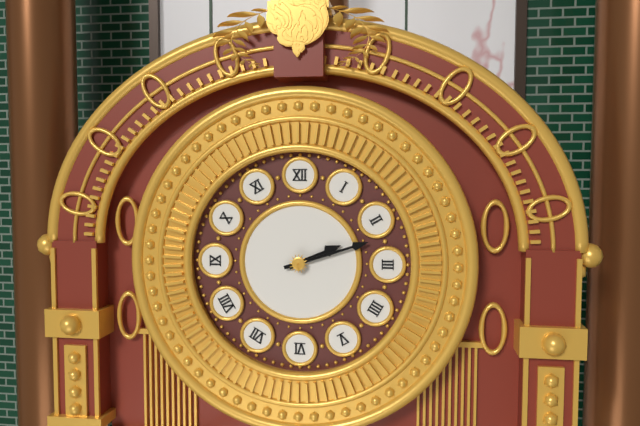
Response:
2,12
